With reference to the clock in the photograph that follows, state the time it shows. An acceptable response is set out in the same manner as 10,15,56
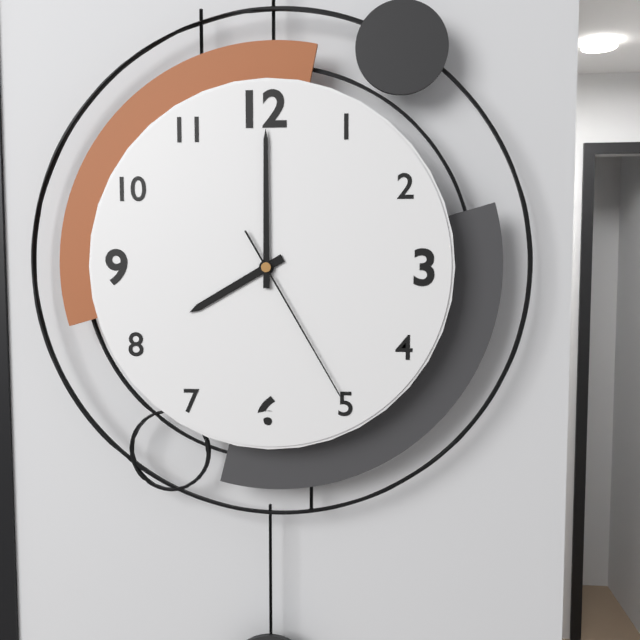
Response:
8,00,25
